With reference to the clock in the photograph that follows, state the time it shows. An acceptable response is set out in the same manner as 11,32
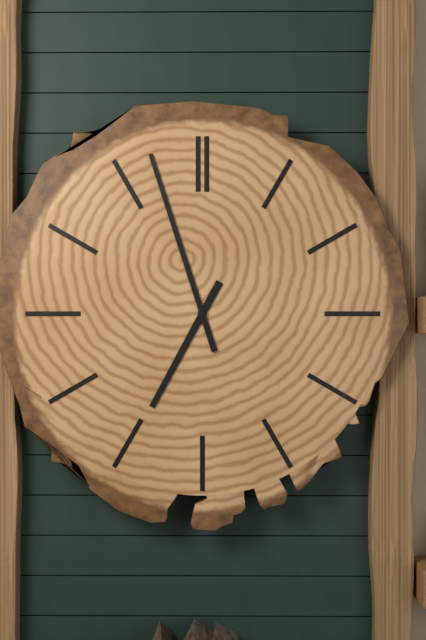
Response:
6,57
